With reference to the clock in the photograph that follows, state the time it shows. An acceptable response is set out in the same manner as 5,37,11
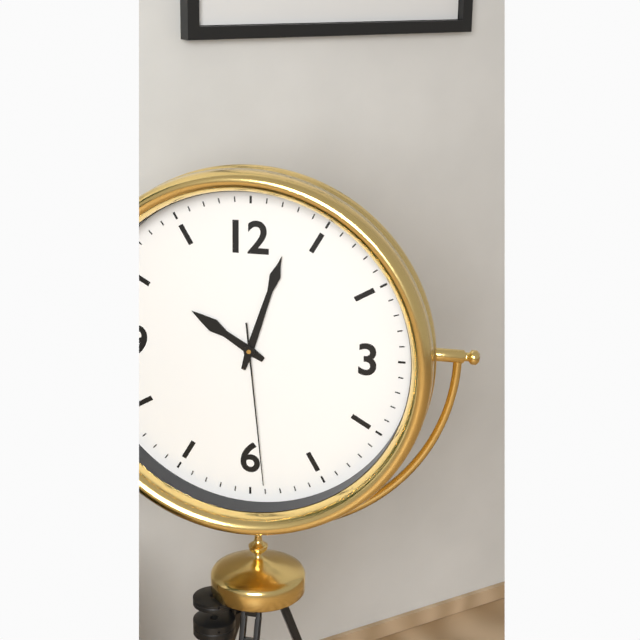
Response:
10,03,29
